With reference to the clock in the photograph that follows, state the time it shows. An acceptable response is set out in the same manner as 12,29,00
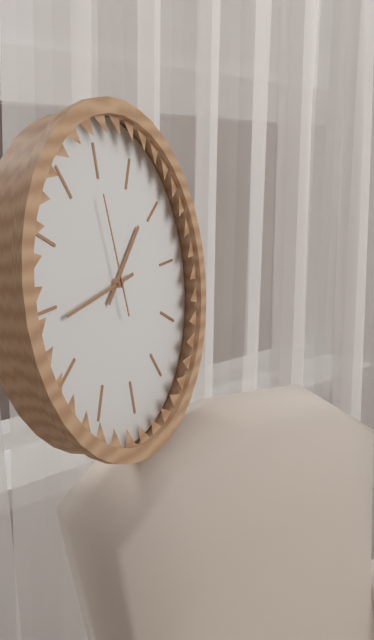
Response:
1,44,59
